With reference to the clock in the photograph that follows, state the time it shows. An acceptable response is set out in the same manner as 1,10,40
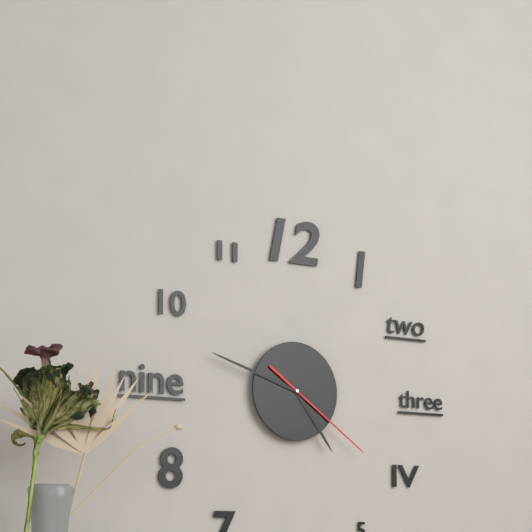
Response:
4,48,21
